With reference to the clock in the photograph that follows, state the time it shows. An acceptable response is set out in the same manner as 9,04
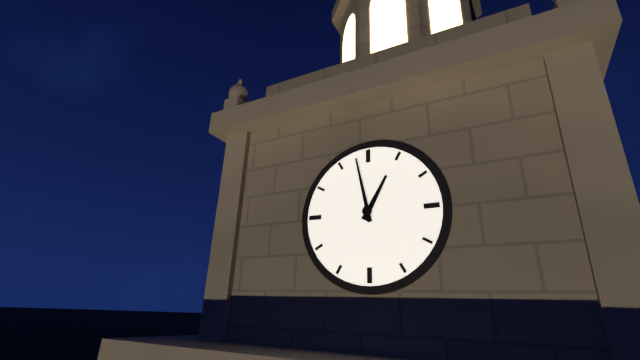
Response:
12,58
